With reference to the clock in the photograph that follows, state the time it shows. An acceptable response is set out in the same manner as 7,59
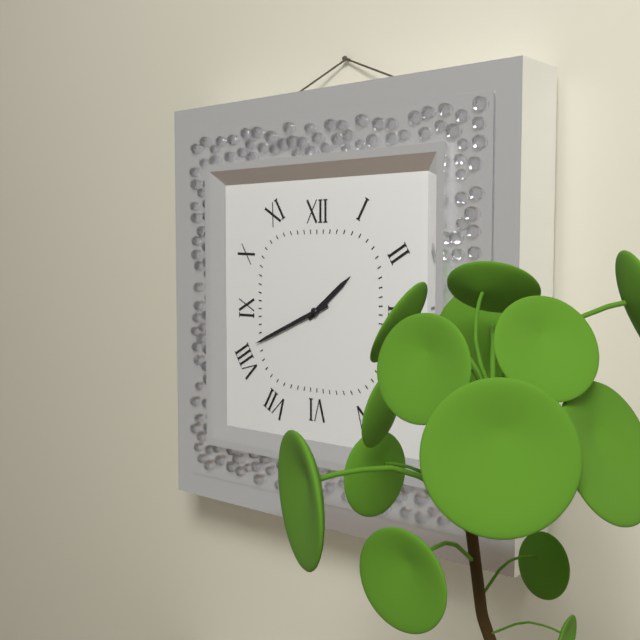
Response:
1,41
